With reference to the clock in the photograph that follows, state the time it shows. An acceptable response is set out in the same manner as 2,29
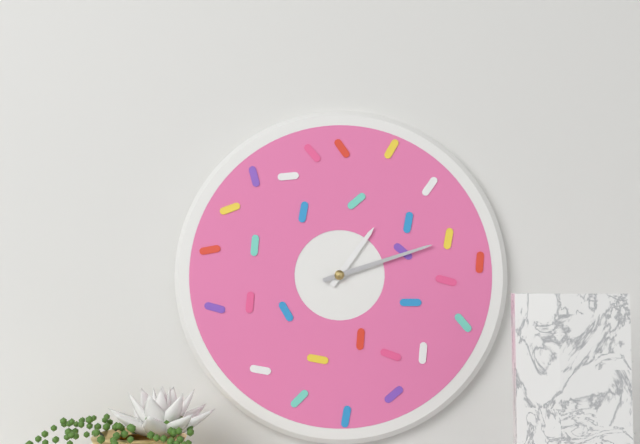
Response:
1,12
